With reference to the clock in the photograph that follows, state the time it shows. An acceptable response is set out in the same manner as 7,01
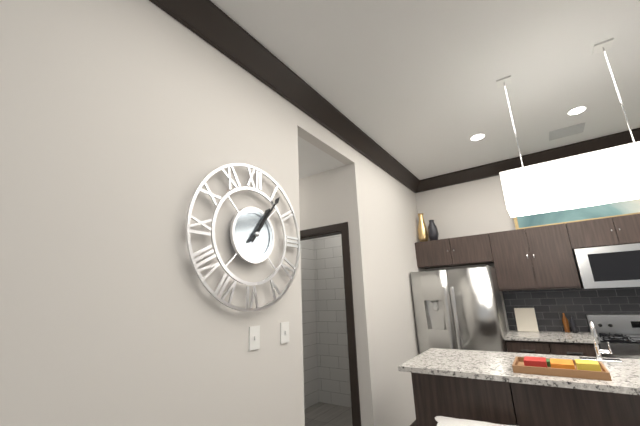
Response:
1,06
